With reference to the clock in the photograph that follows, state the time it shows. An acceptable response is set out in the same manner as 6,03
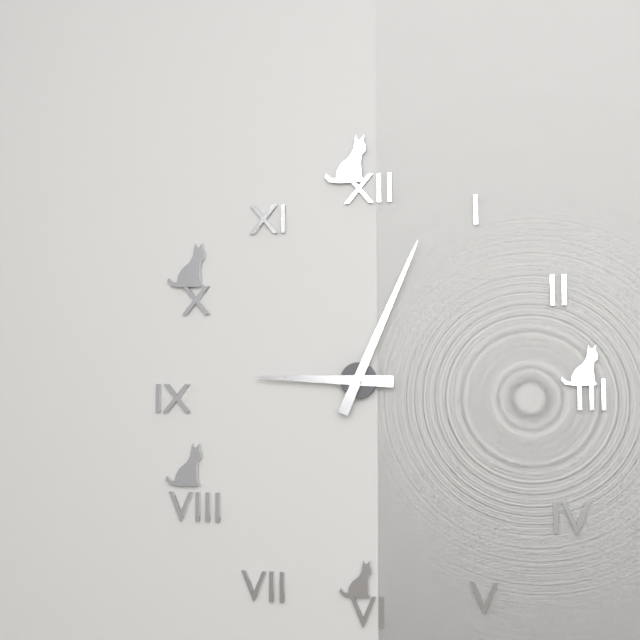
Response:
9,04
